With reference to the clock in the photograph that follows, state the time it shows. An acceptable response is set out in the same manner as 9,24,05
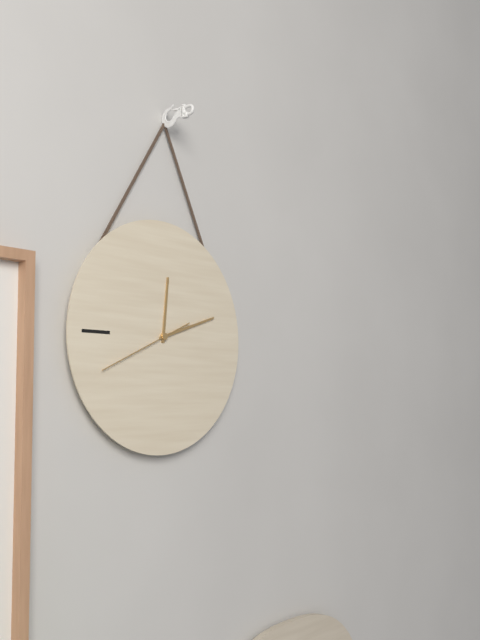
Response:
12,12,41
